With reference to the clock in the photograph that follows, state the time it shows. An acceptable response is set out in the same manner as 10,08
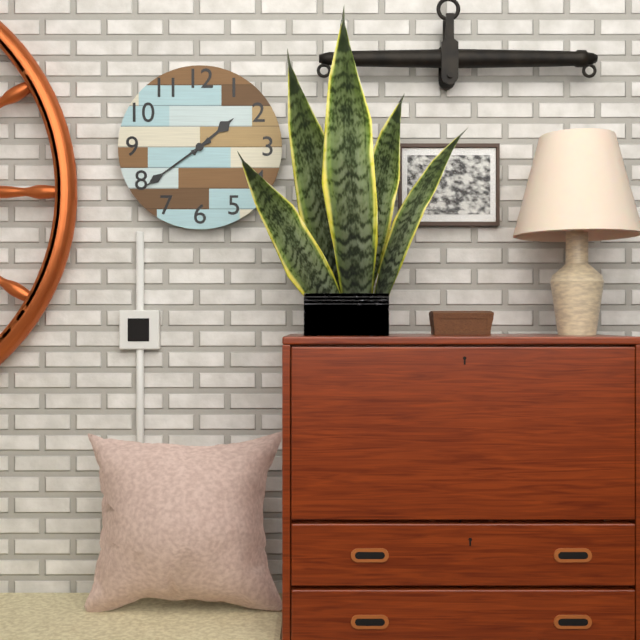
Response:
1,39
